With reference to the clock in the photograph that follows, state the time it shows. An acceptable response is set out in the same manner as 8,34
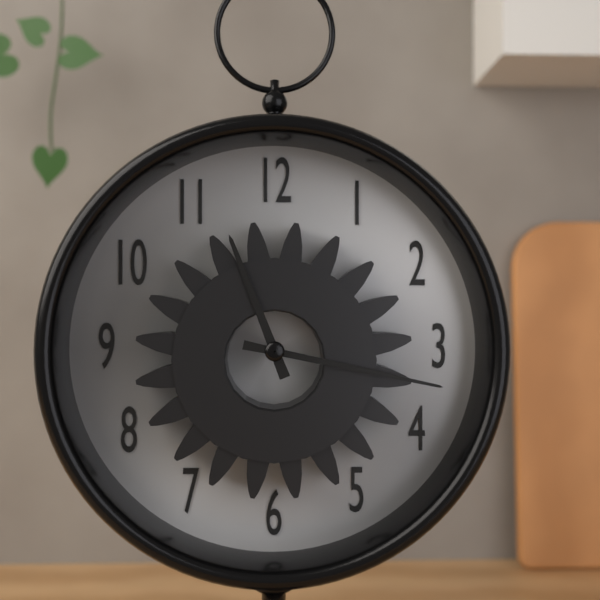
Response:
11,17
